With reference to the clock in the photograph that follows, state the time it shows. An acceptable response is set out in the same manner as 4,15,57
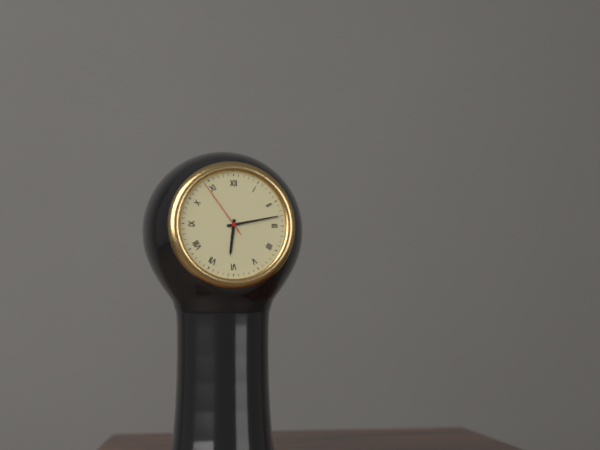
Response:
6,13,54
